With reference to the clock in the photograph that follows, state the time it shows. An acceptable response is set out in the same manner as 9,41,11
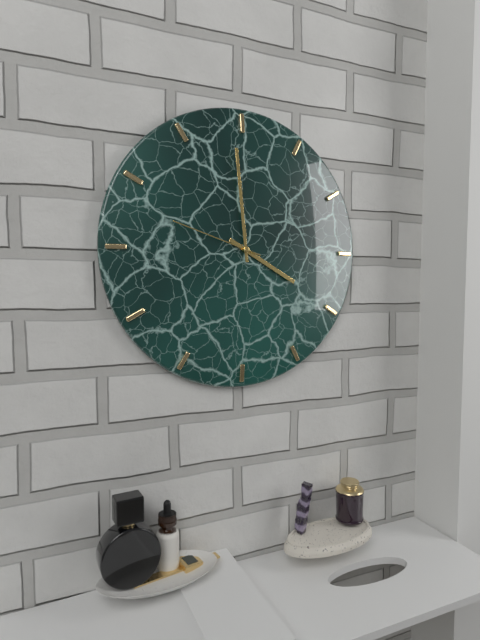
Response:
3,59,48
